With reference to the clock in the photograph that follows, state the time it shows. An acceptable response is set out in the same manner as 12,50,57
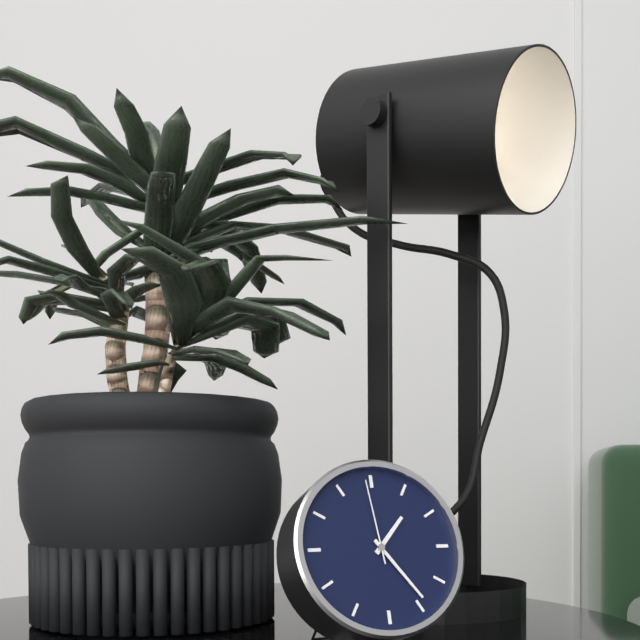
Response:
1,24,59
